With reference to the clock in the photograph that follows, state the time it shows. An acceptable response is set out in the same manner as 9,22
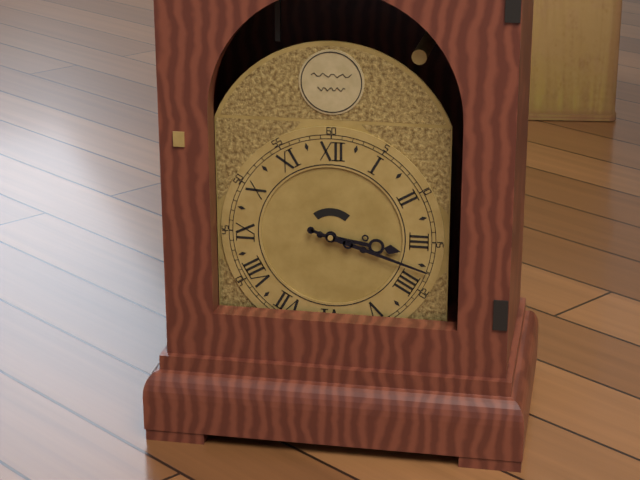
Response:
3,18
